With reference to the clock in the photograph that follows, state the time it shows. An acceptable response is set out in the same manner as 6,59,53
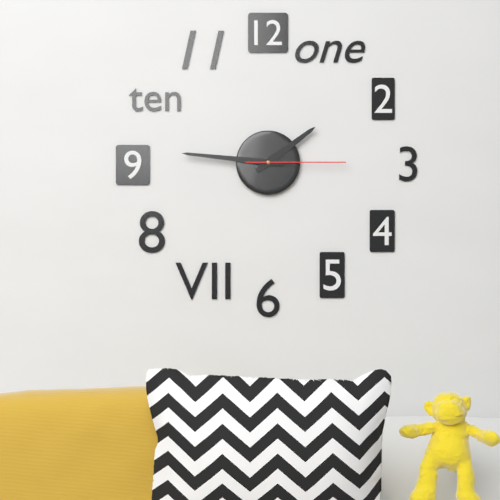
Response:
1,46,15
